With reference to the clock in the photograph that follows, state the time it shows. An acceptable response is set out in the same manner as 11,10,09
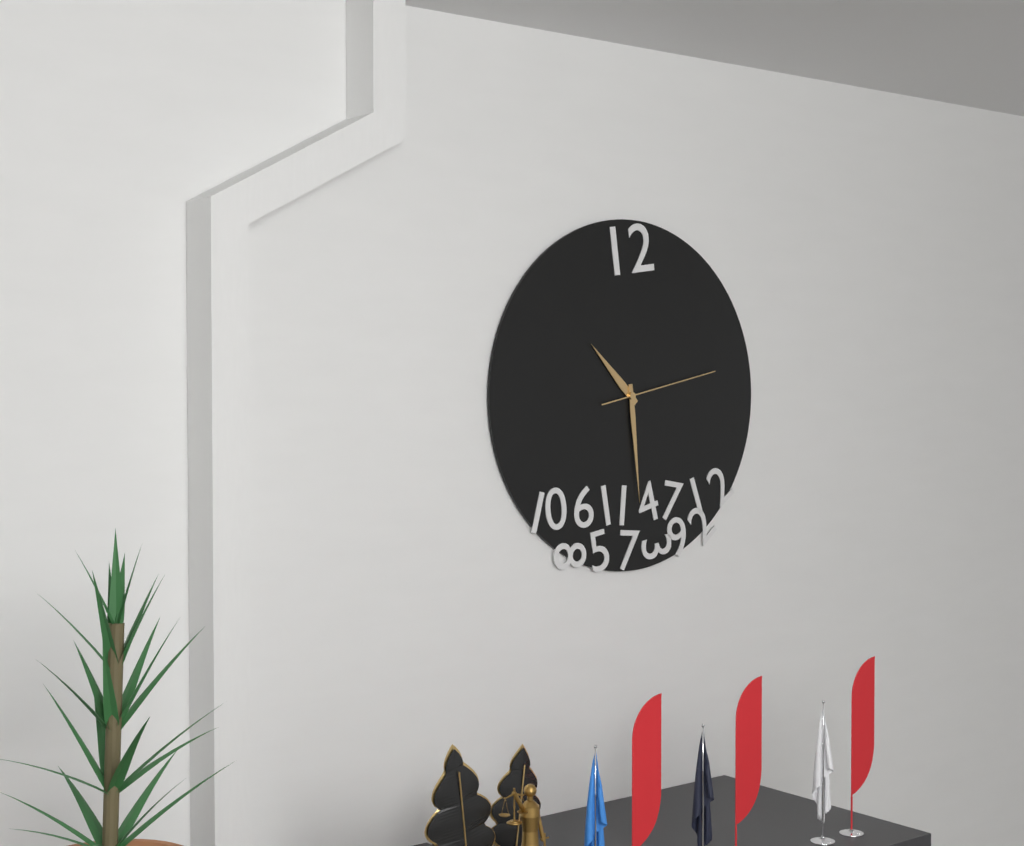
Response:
10,29,13
